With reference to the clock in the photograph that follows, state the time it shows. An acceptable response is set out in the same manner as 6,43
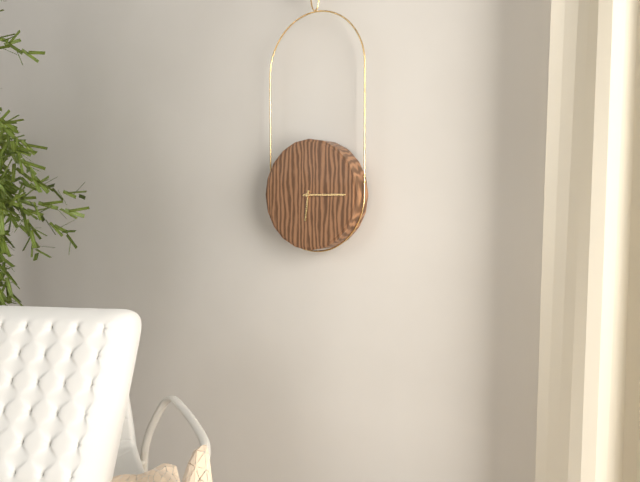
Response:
6,15
